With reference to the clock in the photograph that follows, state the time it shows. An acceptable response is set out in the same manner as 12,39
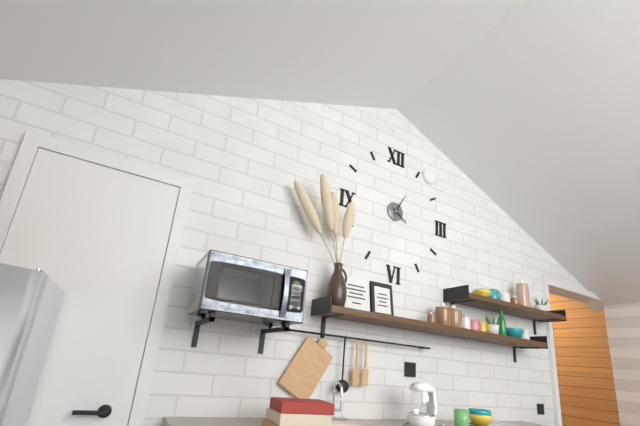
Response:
4,05
